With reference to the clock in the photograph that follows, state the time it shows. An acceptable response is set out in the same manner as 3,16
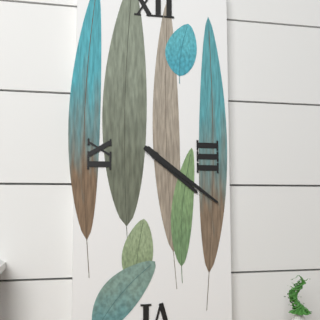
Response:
4,21
